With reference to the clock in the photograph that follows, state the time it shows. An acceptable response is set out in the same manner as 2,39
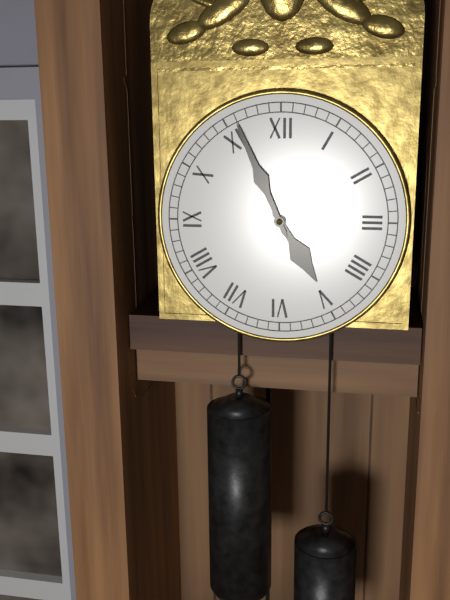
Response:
4,56
